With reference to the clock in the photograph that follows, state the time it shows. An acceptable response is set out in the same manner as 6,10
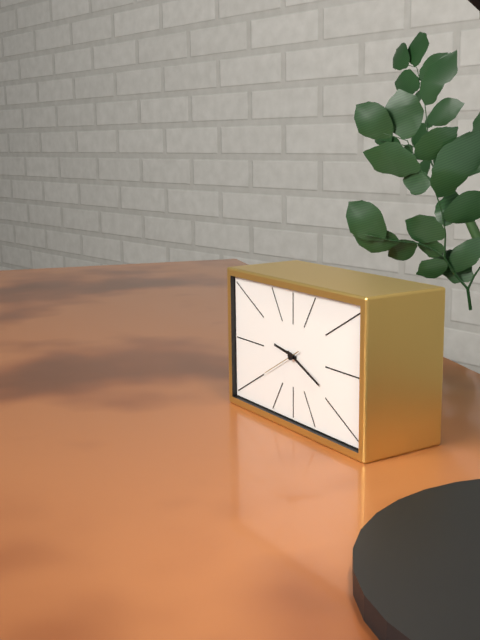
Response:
9,19
